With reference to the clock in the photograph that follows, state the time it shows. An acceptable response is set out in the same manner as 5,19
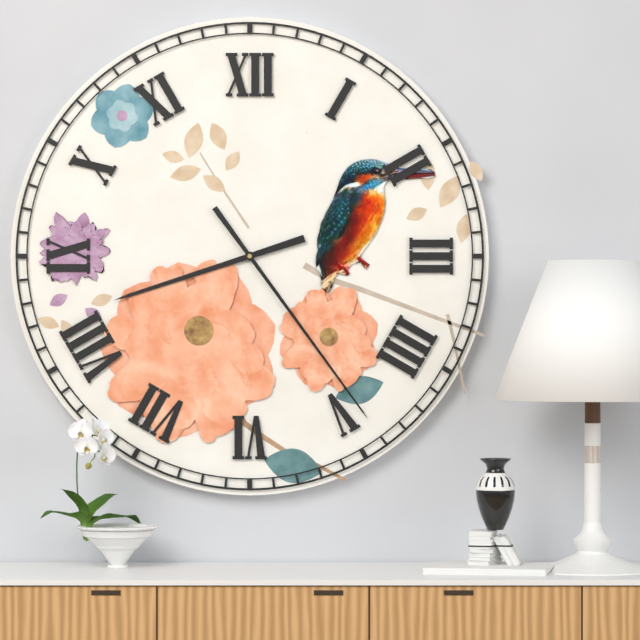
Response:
8,24
